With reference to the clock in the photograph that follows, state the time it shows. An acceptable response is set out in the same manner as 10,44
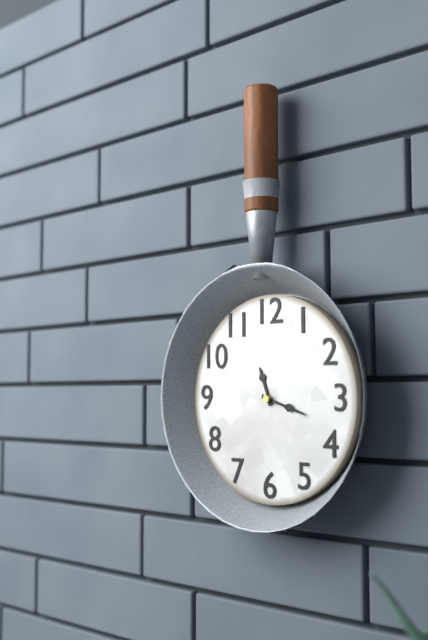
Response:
11,18
